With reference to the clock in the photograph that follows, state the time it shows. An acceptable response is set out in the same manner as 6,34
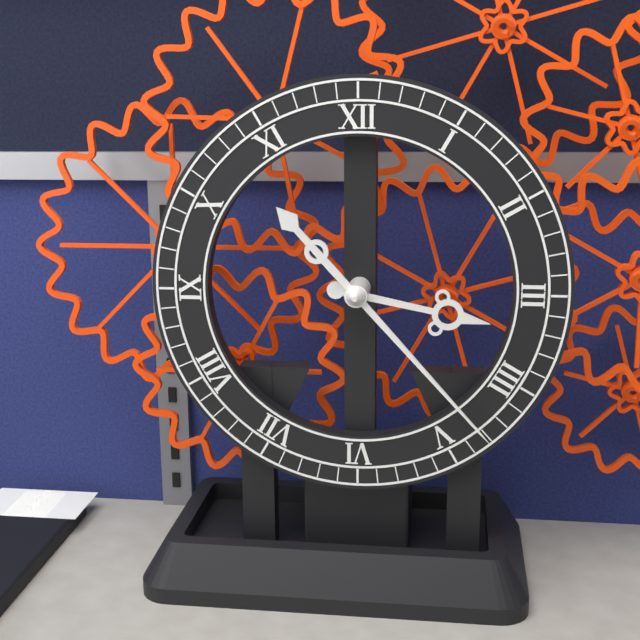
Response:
3,23
